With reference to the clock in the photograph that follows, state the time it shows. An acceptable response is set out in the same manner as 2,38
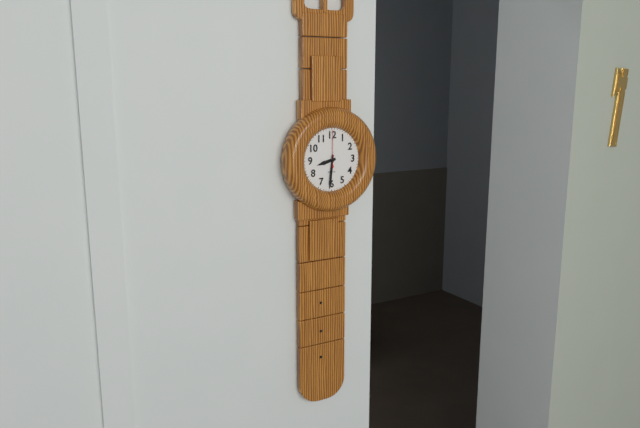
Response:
8,31
